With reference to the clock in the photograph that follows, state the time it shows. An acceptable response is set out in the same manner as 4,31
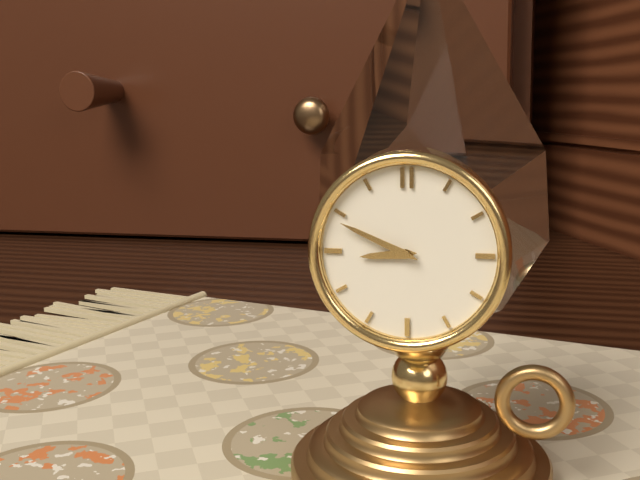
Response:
8,49
